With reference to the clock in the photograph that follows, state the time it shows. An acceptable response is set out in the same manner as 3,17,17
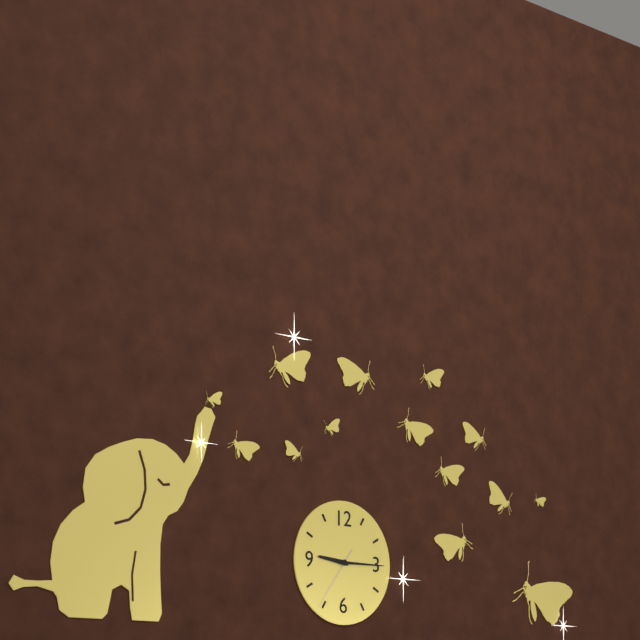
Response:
9,15,36
